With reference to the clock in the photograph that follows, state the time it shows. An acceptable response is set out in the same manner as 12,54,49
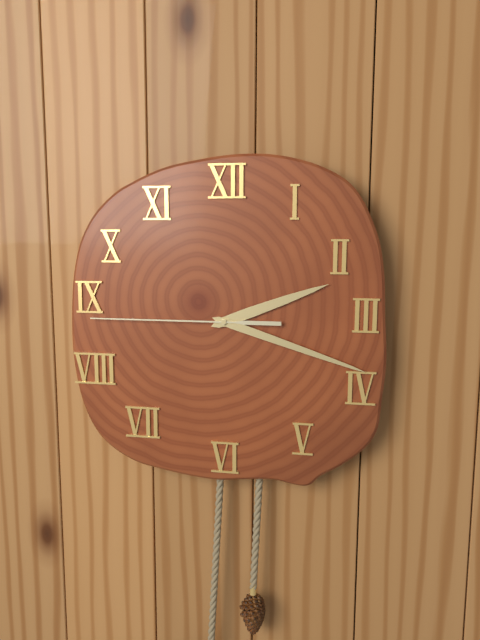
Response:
2,18,45
